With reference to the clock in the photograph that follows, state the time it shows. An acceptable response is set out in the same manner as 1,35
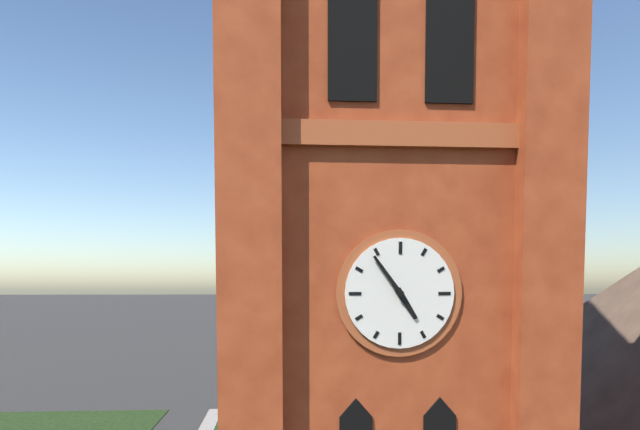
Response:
4,54
